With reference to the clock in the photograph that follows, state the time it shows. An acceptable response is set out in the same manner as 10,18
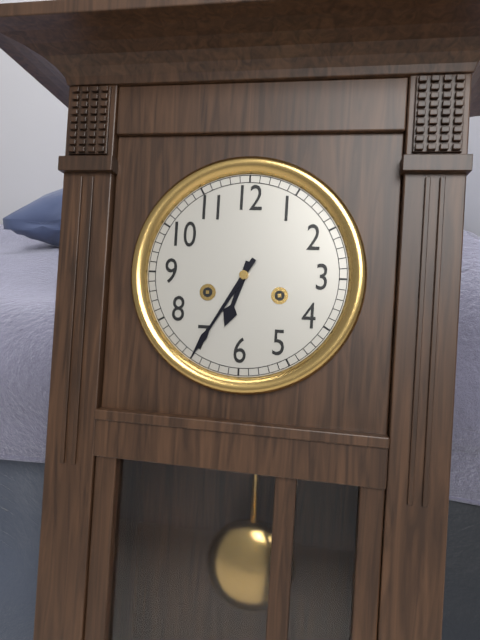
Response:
6,35
